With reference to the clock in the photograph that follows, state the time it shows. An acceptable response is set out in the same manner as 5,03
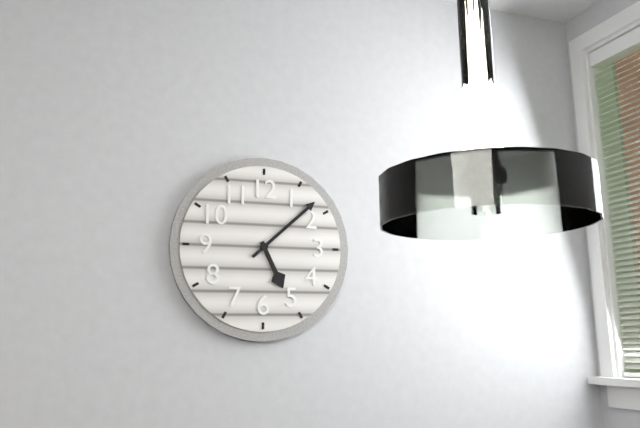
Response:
5,08
